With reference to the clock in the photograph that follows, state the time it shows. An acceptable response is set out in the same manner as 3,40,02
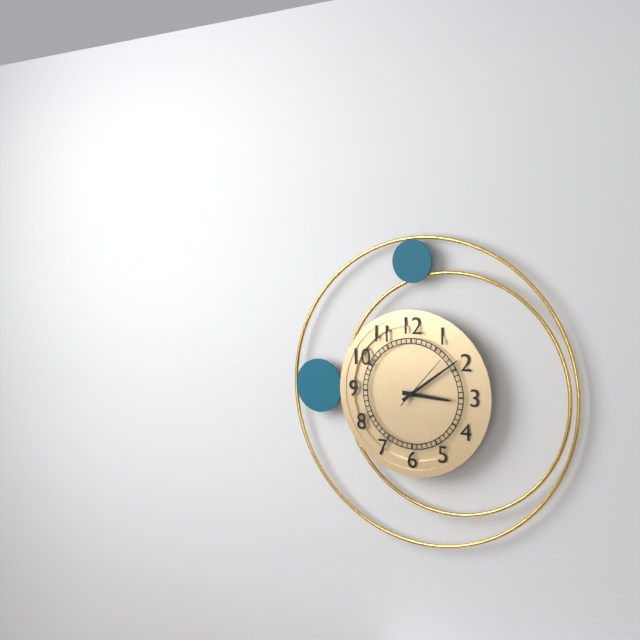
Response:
3,09,07
